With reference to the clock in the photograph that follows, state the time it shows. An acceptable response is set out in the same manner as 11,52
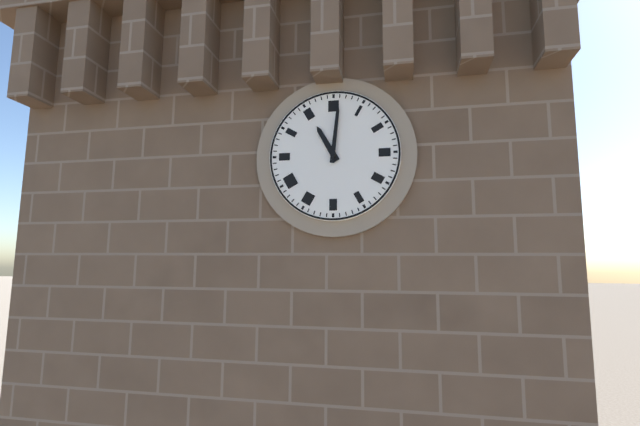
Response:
11,01
